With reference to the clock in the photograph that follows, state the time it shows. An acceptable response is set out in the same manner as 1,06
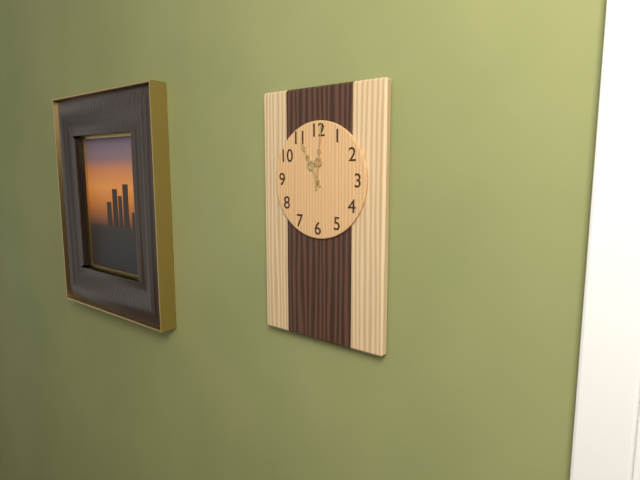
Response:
11,01
